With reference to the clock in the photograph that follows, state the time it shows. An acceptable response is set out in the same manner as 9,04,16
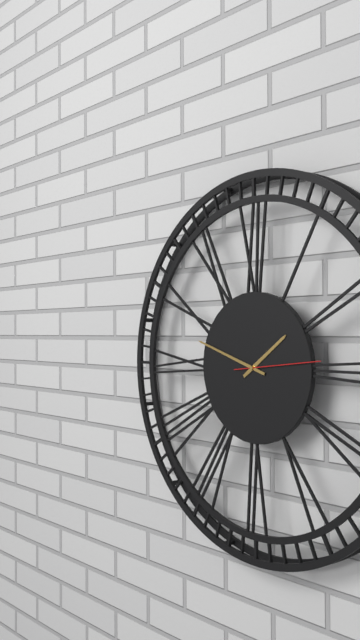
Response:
1,48,14
